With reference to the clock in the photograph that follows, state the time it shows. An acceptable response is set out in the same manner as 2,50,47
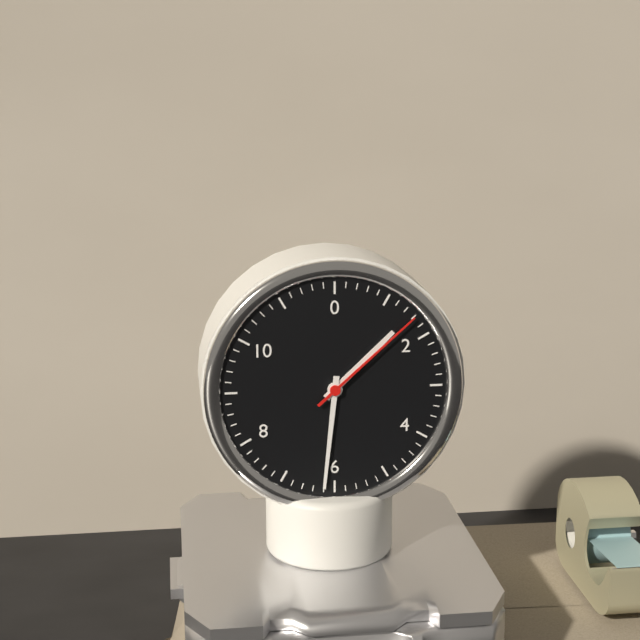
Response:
1,31,08
